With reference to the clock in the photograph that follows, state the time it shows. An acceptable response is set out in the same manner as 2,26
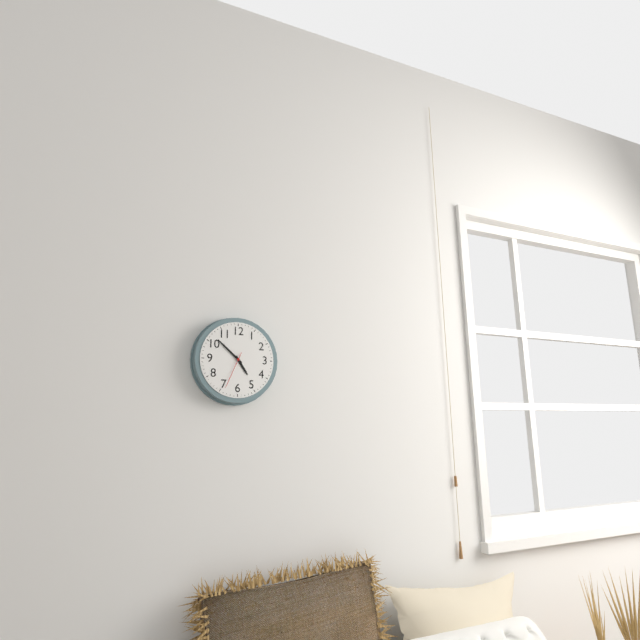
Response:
4,52
